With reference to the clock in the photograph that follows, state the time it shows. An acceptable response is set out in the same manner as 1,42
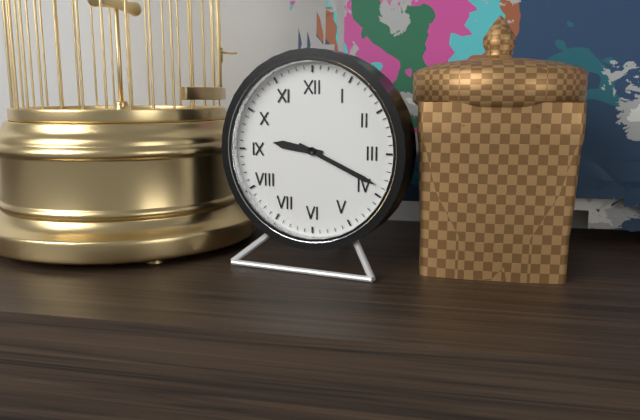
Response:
9,19
